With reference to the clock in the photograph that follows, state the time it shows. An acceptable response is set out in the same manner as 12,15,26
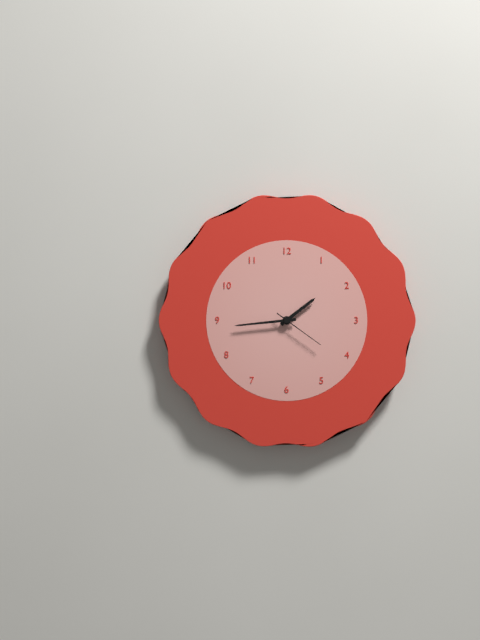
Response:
1,44,21
